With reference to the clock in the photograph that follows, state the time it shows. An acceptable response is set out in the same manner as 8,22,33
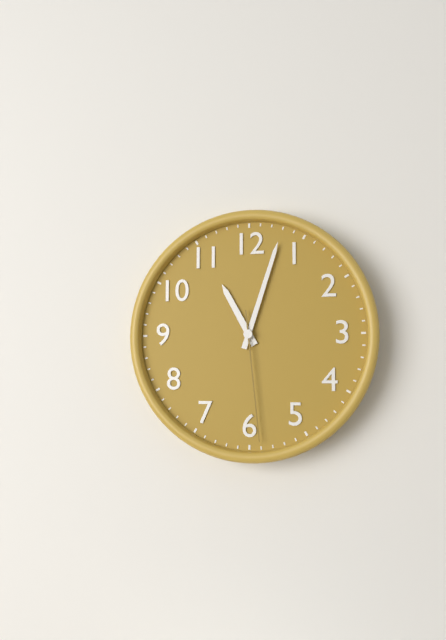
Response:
11,03,29
